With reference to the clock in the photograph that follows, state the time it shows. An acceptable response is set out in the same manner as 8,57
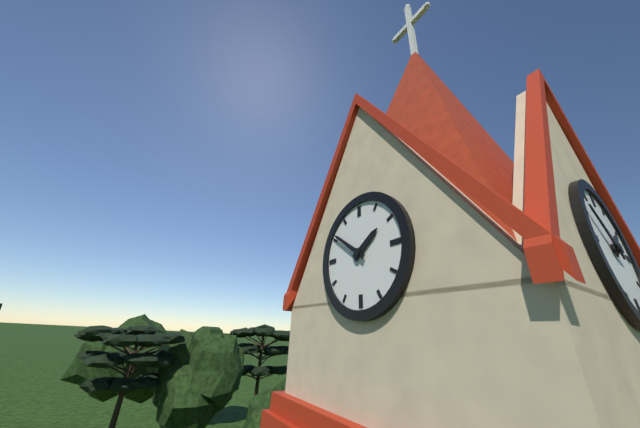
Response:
1,51
